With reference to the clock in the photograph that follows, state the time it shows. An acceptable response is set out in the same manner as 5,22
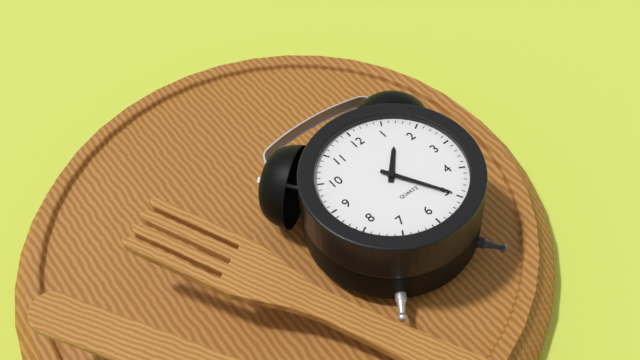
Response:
1,25
